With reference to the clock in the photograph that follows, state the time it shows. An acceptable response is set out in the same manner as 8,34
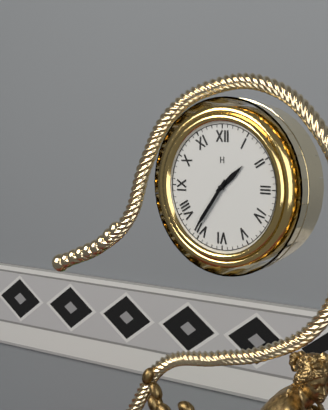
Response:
1,36
